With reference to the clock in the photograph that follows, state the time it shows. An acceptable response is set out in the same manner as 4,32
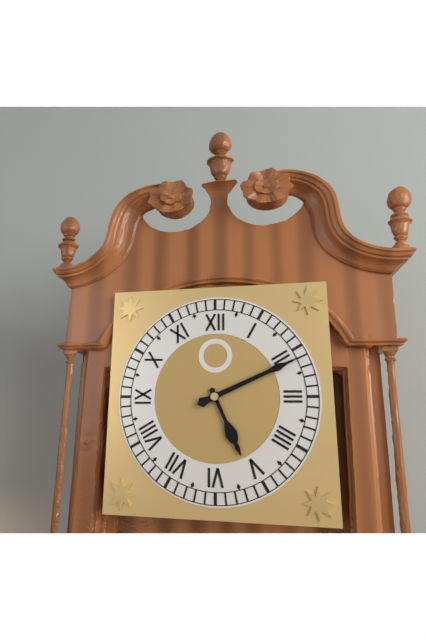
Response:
5,11
